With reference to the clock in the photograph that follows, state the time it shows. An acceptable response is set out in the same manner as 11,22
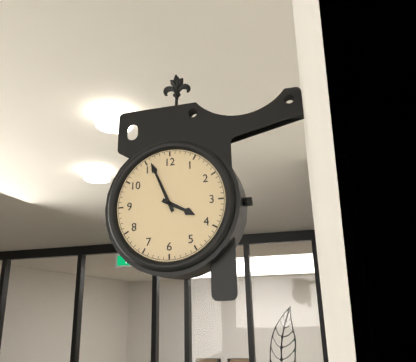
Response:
3,56
